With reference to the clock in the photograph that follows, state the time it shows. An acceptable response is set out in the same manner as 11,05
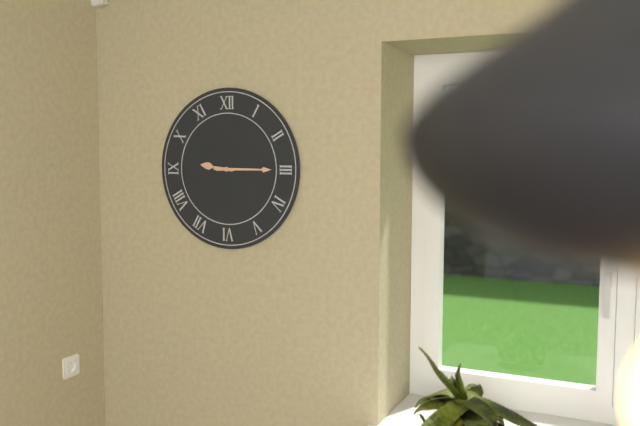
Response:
9,15
